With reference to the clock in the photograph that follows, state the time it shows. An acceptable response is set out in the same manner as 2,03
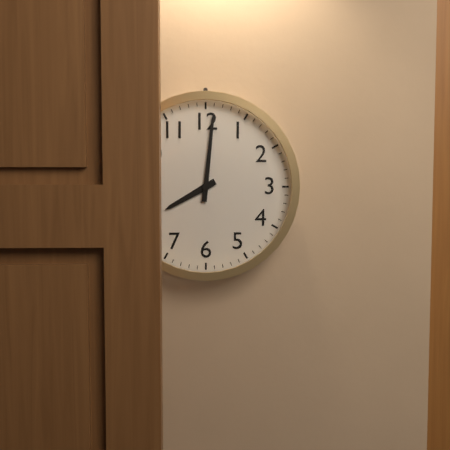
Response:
8,01
